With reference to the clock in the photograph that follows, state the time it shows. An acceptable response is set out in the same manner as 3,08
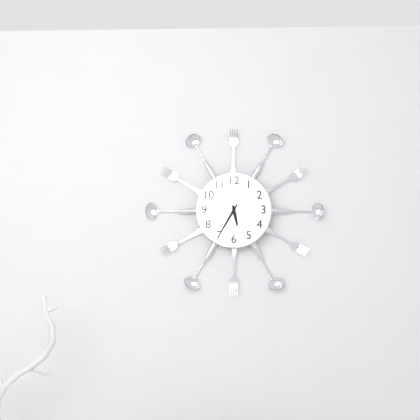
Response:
5,35
